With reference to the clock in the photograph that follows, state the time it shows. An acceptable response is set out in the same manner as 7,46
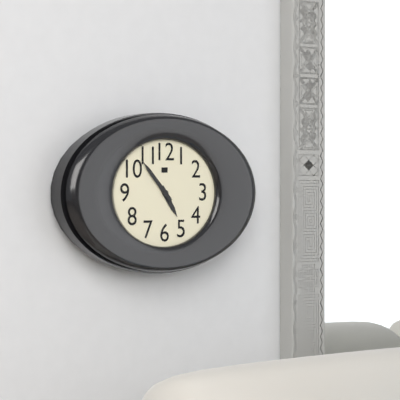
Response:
4,53
